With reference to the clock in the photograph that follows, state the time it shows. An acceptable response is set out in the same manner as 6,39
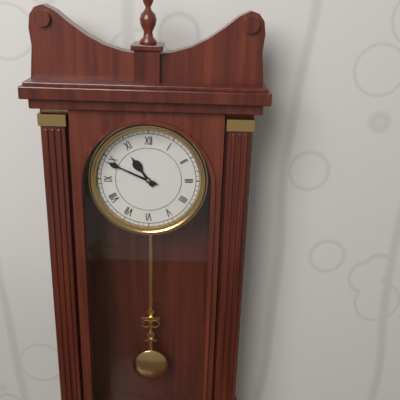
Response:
10,49
